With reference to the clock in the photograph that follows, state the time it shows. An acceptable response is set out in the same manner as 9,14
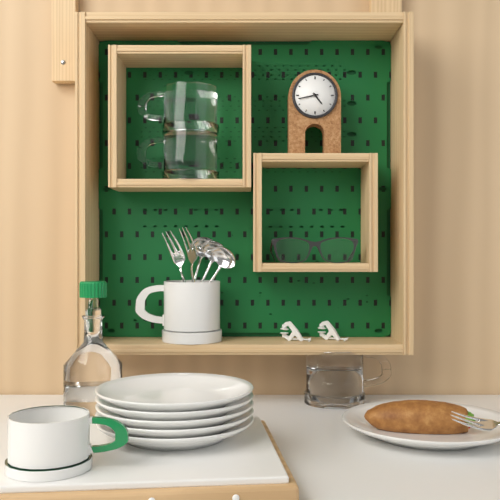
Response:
4,43
